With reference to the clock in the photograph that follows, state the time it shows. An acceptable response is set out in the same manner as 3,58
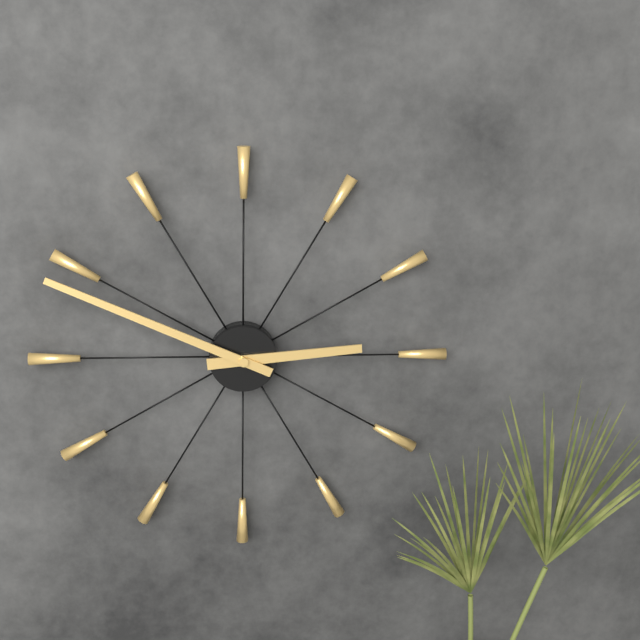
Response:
2,49
